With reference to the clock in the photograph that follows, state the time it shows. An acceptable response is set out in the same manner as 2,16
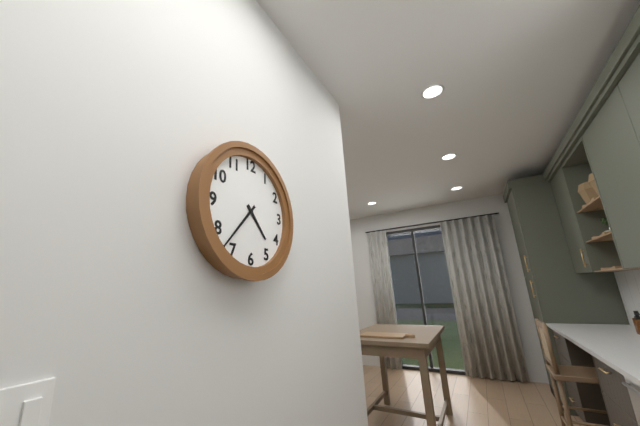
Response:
4,37
